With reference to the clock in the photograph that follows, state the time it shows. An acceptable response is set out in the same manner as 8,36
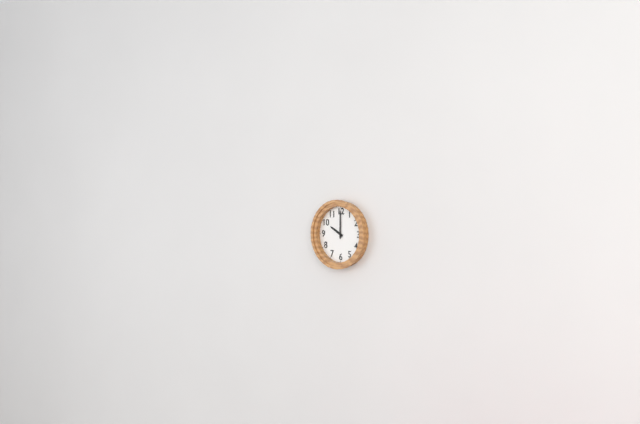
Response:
10,00
